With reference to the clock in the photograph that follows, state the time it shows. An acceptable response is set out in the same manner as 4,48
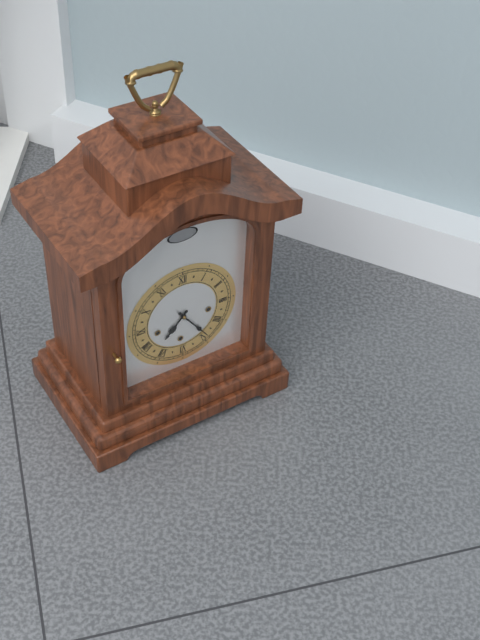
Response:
7,24
